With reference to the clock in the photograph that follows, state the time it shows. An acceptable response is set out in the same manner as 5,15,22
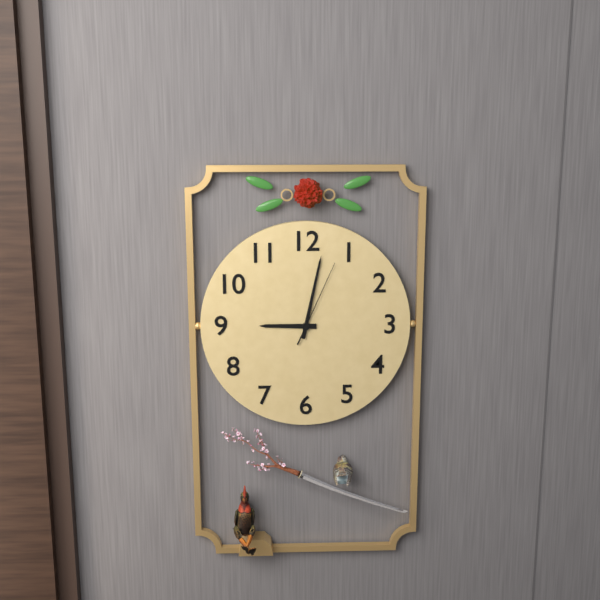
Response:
9,02,04
